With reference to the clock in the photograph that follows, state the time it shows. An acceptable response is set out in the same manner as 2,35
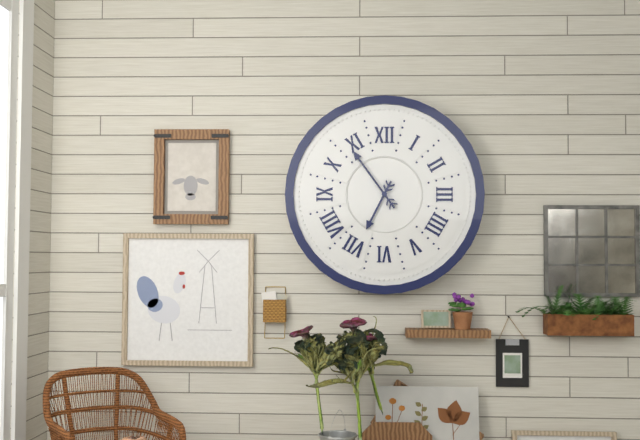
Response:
6,54
